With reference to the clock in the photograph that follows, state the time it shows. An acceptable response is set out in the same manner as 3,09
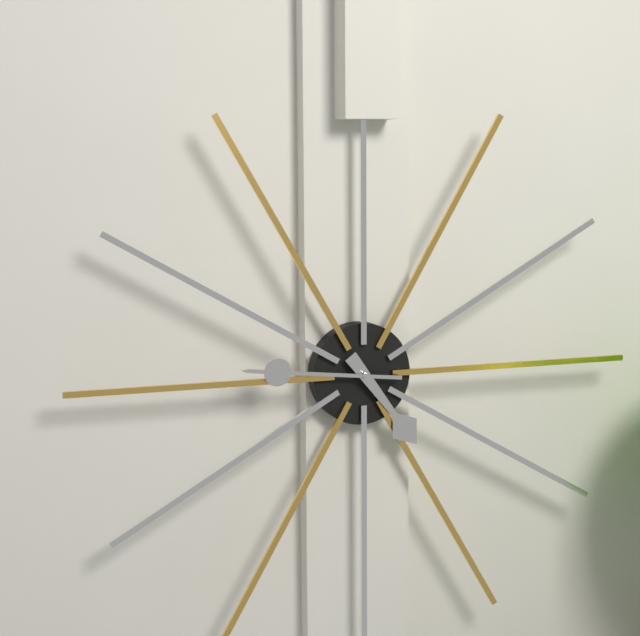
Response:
4,46
